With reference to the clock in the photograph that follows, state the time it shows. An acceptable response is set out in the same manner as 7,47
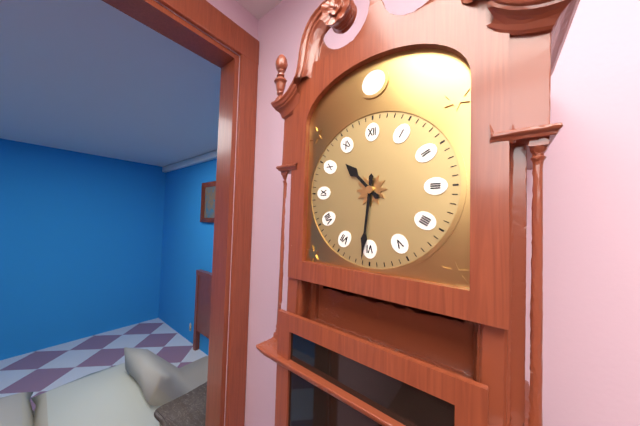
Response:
10,31
